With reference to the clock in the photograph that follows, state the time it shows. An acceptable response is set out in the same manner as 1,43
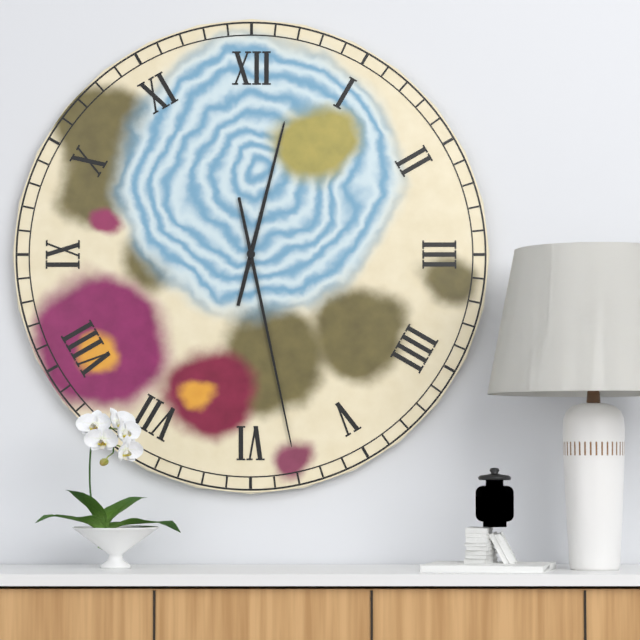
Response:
12,28
